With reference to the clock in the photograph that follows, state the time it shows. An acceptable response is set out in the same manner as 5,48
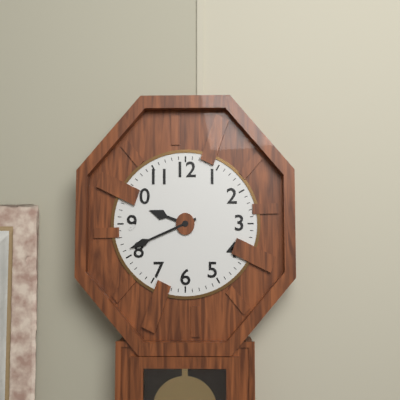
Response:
9,41
